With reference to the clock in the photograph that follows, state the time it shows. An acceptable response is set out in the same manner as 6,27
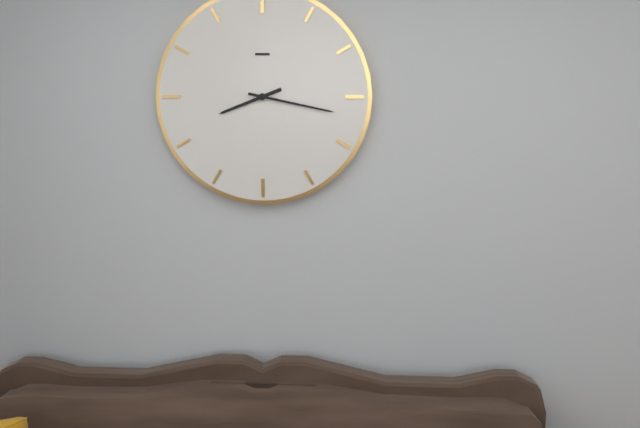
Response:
8,17
